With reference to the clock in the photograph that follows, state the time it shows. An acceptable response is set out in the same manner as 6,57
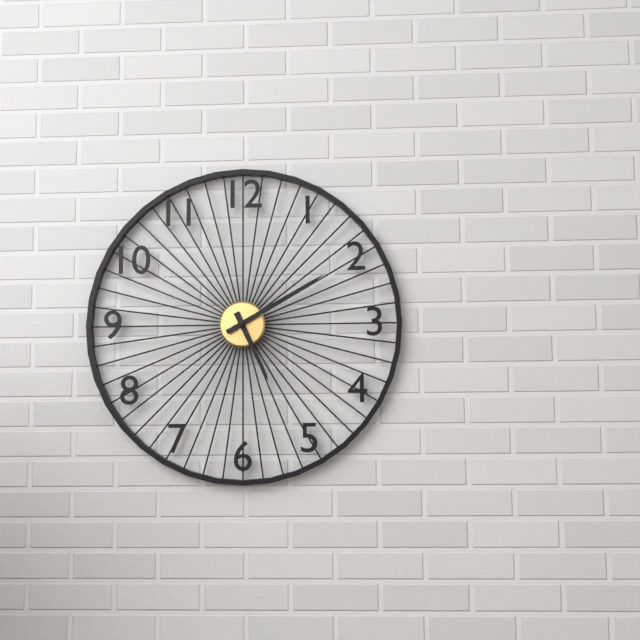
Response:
5,10
